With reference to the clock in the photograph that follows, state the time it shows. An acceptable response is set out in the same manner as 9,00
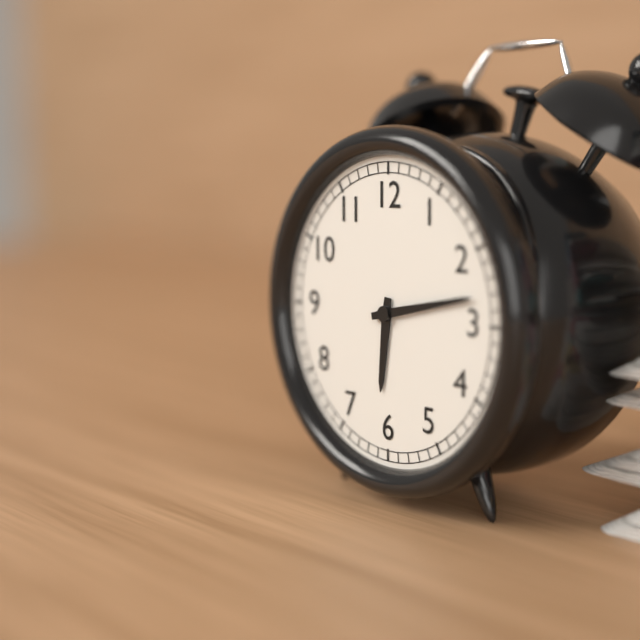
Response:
6,13
